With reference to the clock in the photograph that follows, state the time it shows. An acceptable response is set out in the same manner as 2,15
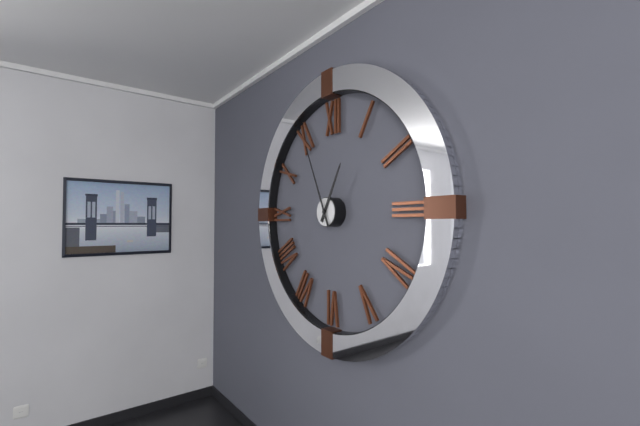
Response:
12,56
